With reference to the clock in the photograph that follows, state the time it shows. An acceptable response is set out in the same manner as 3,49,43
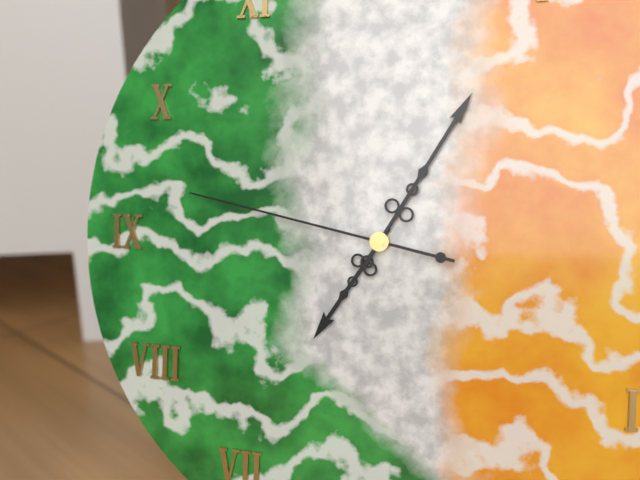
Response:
7,05,47
